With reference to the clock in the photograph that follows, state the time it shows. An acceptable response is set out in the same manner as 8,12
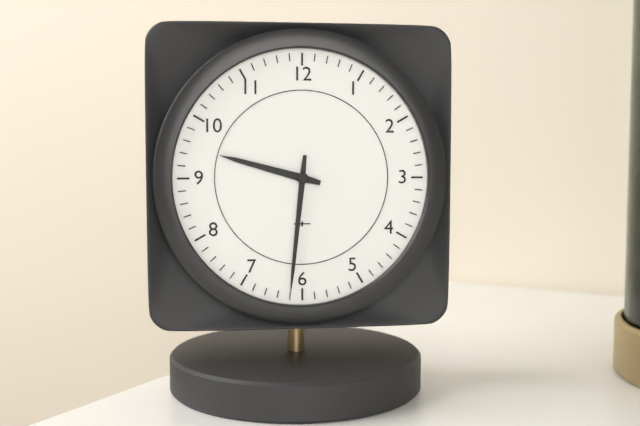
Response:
9,31
